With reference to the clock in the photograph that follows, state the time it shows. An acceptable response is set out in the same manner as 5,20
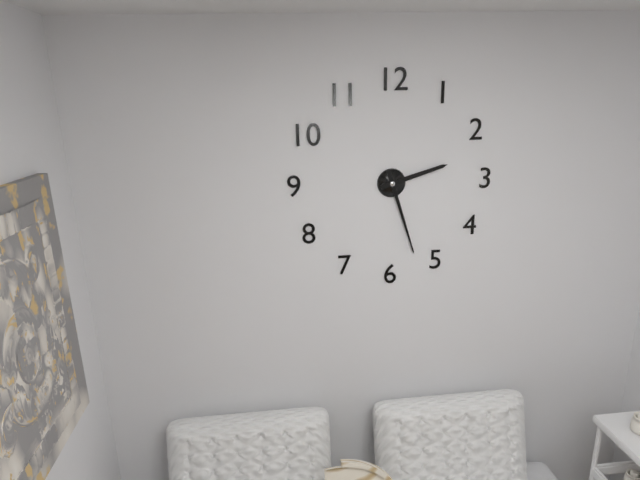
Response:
2,27
